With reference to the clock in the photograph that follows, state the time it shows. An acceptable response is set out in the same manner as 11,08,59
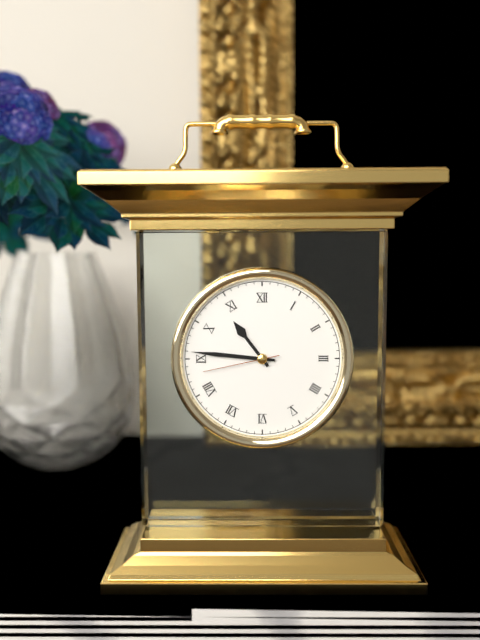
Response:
10,46,43
